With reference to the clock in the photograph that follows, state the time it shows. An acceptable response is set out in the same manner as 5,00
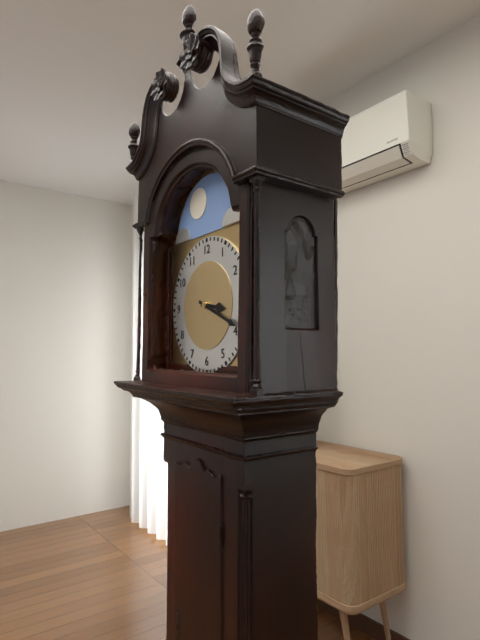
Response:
3,19
